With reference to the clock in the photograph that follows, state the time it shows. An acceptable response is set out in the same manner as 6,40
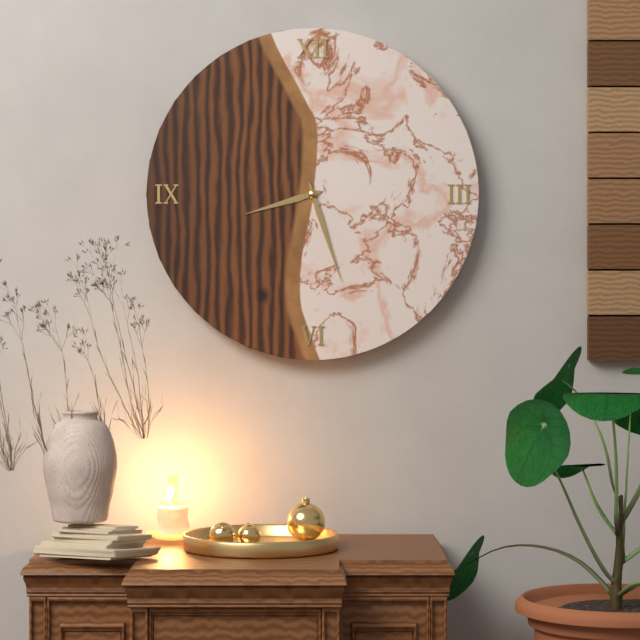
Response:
8,27
